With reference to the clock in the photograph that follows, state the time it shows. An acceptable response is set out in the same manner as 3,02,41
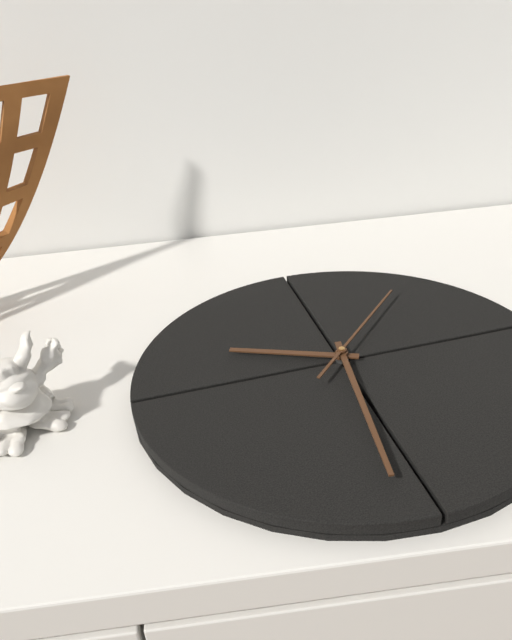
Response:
10,35,11
